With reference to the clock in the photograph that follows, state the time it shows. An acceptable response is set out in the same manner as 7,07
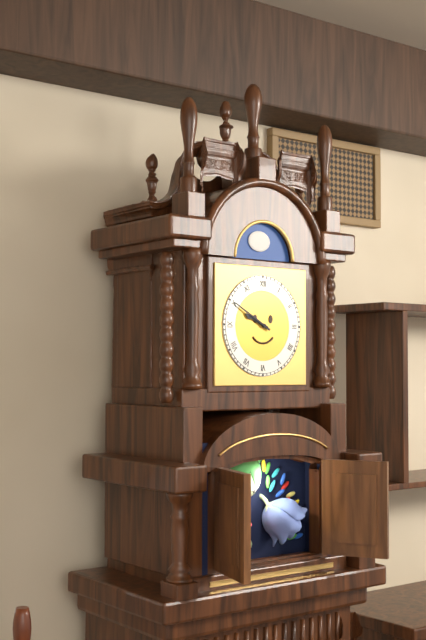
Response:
9,50
